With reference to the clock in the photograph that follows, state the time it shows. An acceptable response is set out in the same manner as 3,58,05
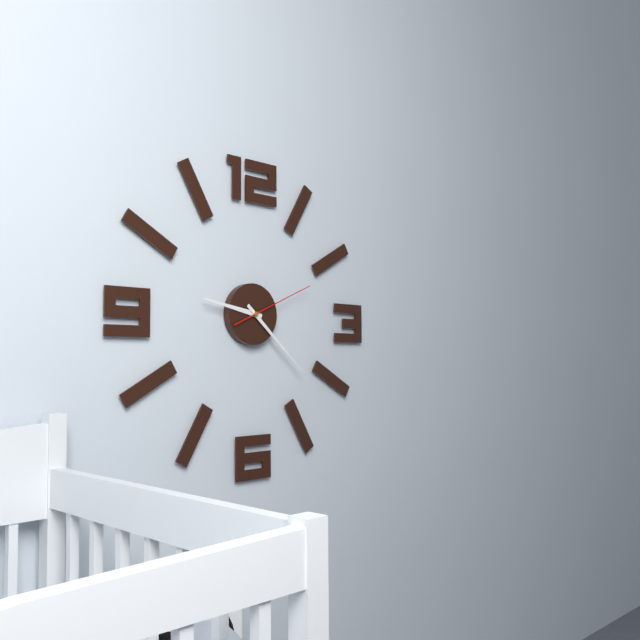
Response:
9,22,11
